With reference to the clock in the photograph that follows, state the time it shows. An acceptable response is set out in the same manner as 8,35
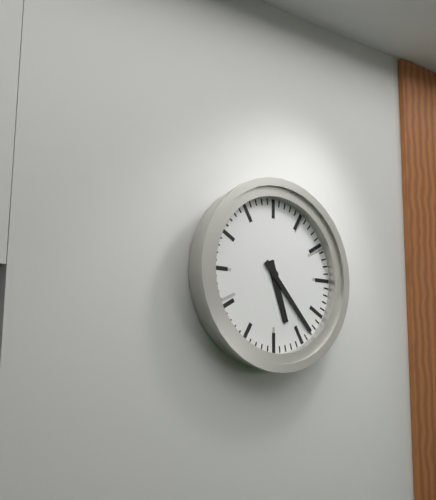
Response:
5,23
